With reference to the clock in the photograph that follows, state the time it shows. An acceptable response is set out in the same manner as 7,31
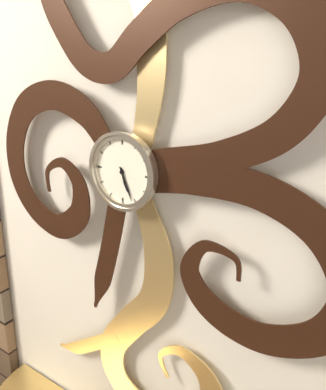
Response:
5,26
